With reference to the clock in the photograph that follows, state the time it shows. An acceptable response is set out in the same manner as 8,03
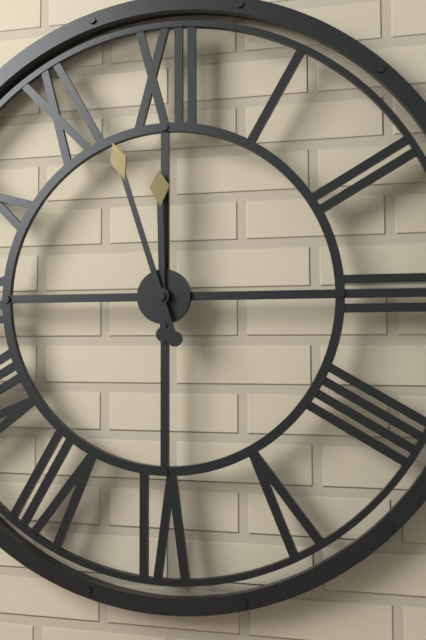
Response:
11,57
